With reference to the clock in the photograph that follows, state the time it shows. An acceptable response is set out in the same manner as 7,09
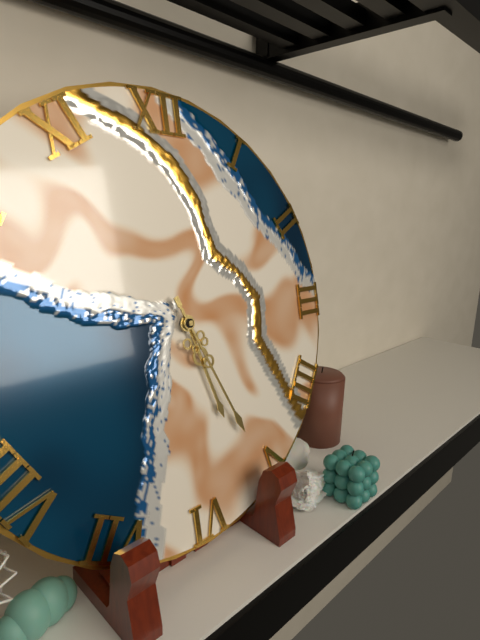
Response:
5,26
